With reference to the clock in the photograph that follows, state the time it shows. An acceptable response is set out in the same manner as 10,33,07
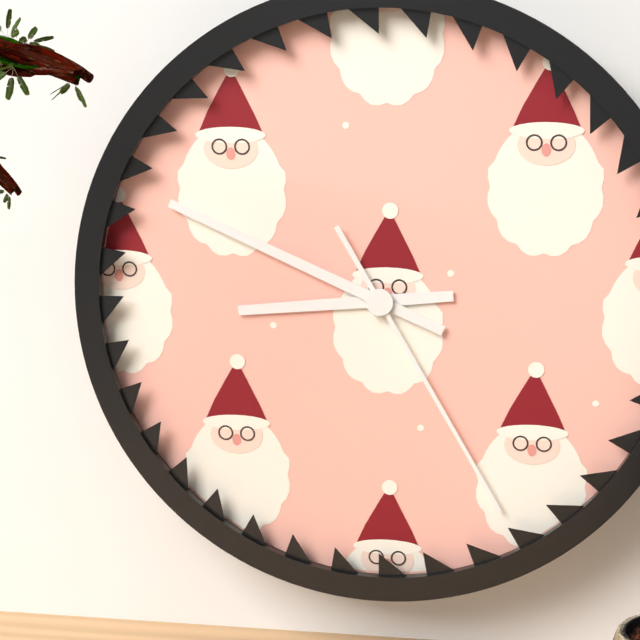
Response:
8,49,25
